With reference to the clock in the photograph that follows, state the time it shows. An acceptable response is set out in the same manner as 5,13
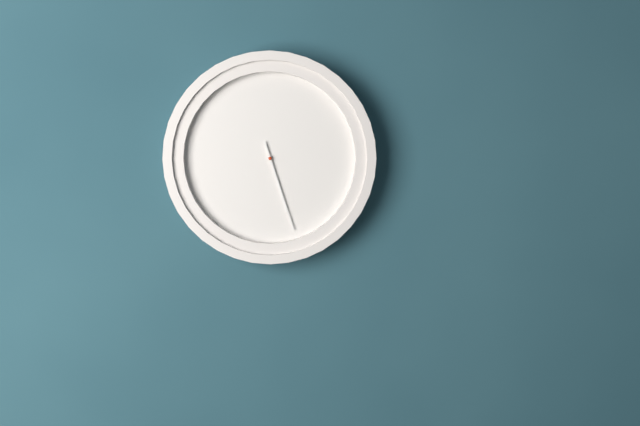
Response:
5,27
